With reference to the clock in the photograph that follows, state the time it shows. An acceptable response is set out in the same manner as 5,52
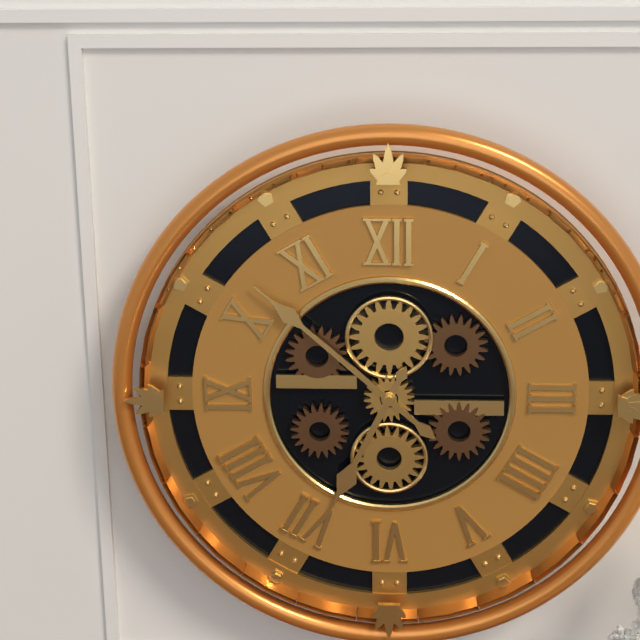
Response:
6,52
